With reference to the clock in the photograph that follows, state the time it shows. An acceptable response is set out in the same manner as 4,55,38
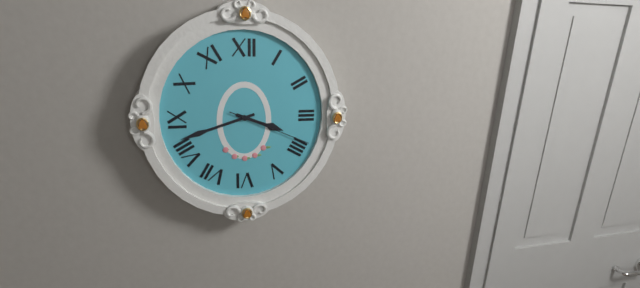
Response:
3,42,19
